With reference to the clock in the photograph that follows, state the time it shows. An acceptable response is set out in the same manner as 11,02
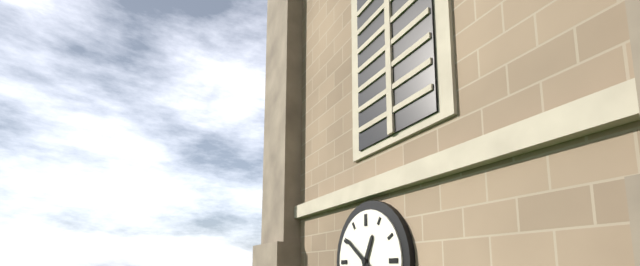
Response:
12,51
